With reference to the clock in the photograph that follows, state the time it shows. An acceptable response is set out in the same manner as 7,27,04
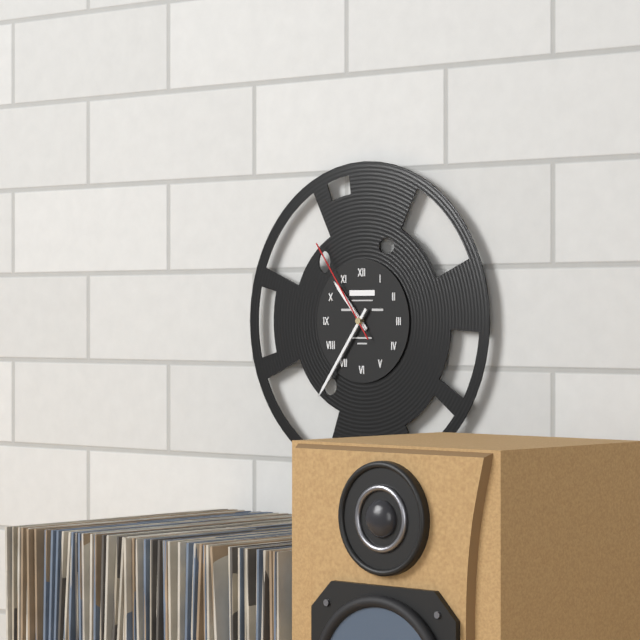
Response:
10,36,54
